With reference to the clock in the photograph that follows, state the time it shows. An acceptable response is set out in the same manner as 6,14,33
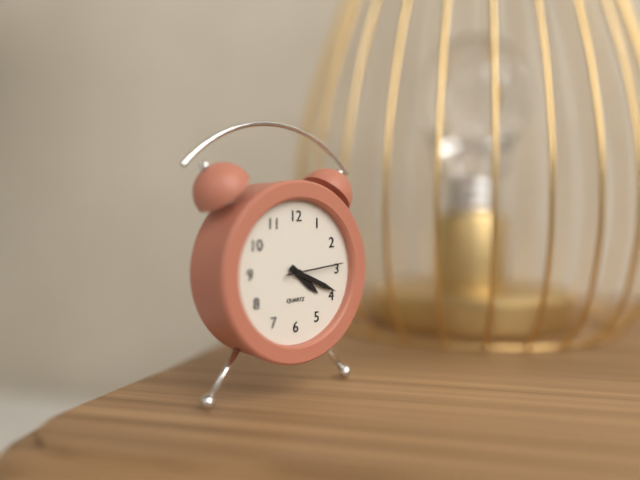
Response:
4,19,14
